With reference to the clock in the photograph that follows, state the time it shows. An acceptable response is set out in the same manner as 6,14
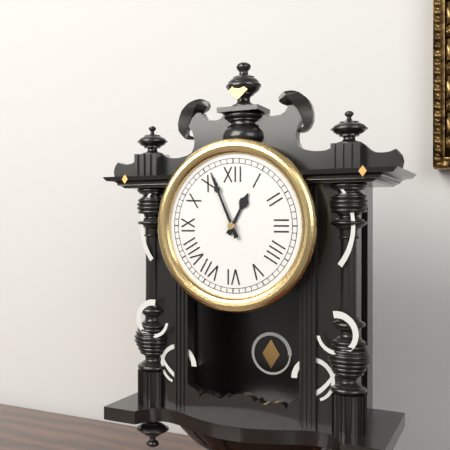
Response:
12,56
